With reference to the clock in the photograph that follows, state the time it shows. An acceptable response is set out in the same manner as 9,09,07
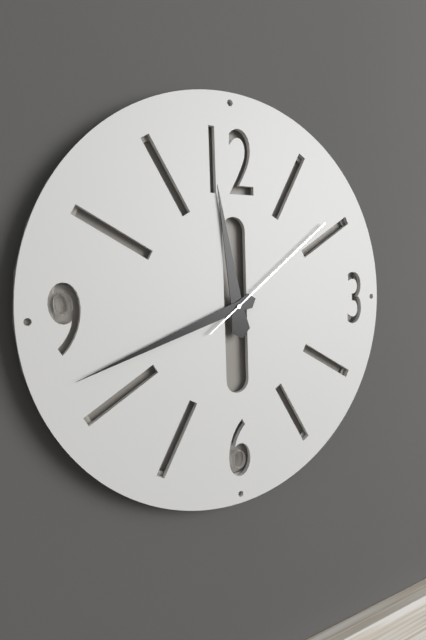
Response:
11,42,09
